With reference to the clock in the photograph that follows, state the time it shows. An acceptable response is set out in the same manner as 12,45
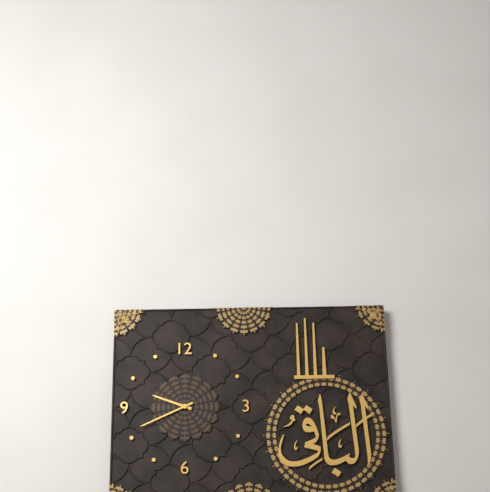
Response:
9,41
